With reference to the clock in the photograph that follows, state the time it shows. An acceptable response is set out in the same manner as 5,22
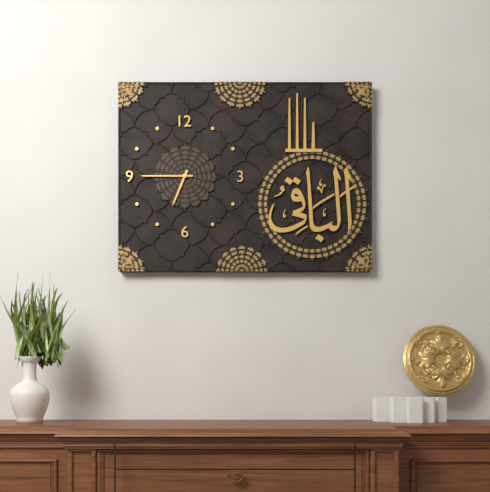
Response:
6,45
